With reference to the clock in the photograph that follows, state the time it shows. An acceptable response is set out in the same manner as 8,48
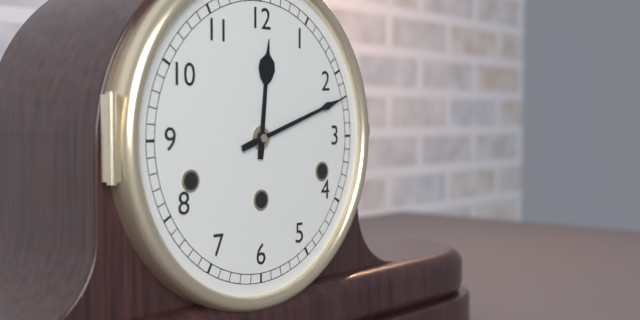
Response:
12,12
